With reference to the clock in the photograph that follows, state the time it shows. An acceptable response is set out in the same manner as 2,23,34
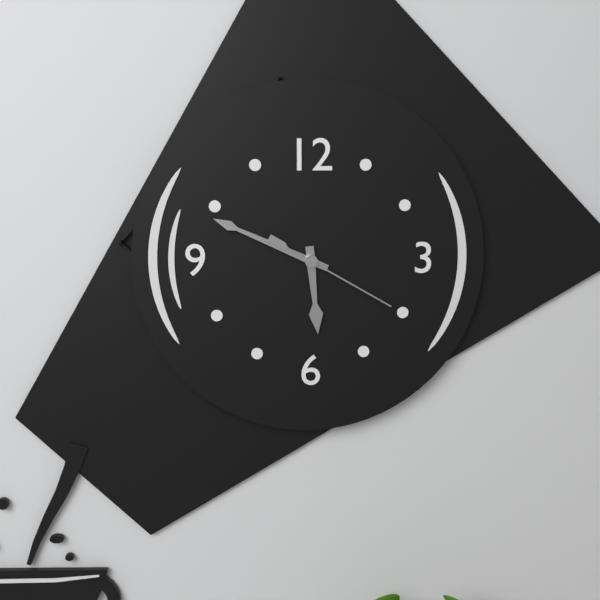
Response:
5,49,20
